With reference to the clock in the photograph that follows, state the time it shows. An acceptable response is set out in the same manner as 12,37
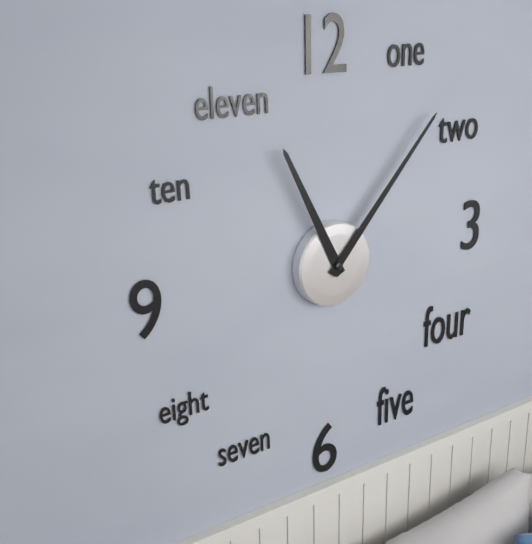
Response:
11,07
